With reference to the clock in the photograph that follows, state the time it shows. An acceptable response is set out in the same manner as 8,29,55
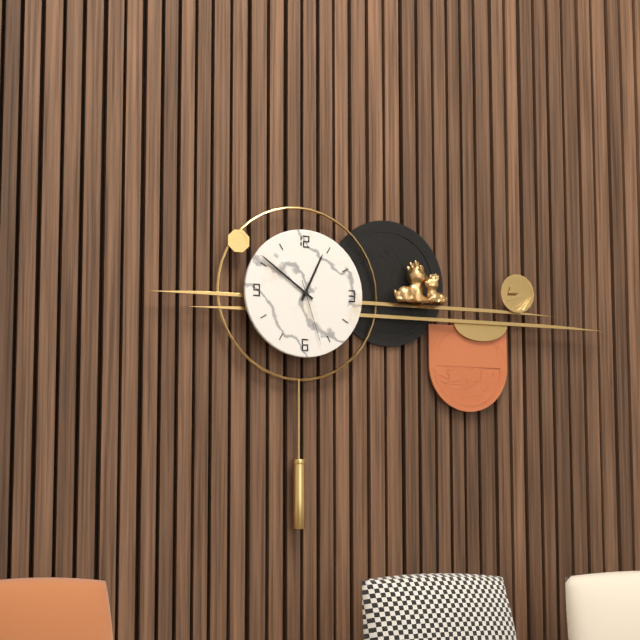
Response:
12,51,27
